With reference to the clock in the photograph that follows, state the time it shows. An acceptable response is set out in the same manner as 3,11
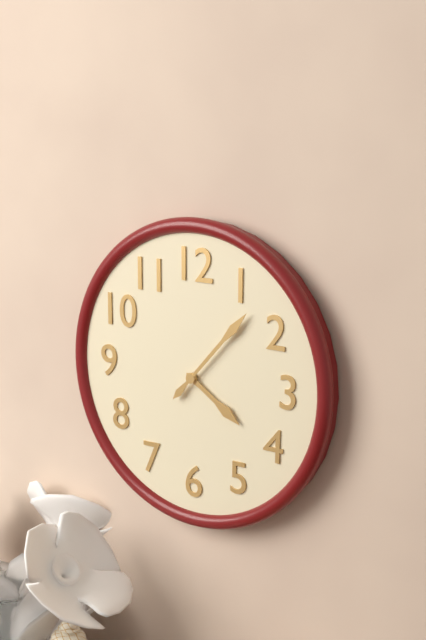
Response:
4,07
